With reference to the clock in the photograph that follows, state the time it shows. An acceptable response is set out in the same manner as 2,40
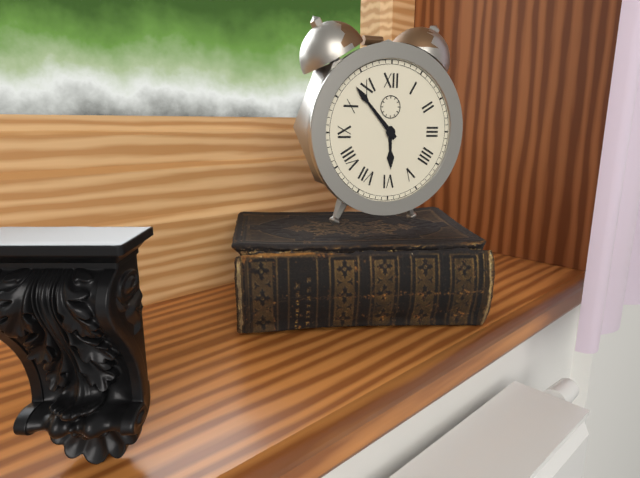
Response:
5,53
